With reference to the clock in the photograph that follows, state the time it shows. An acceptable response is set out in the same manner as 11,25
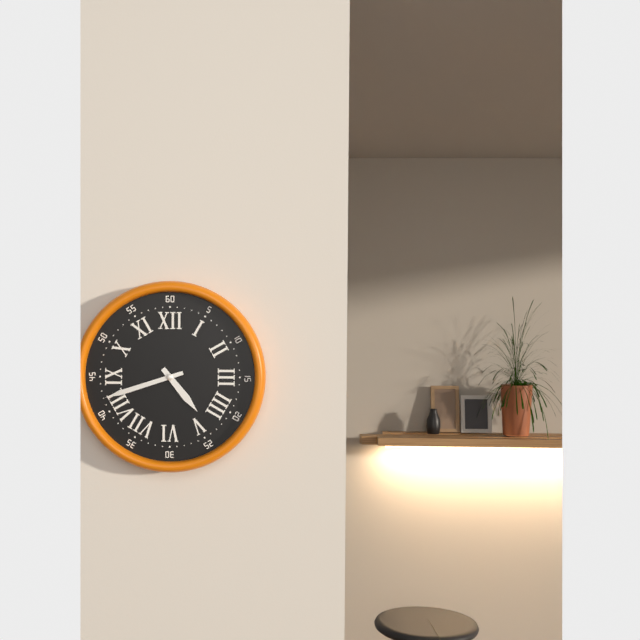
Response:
4,42
